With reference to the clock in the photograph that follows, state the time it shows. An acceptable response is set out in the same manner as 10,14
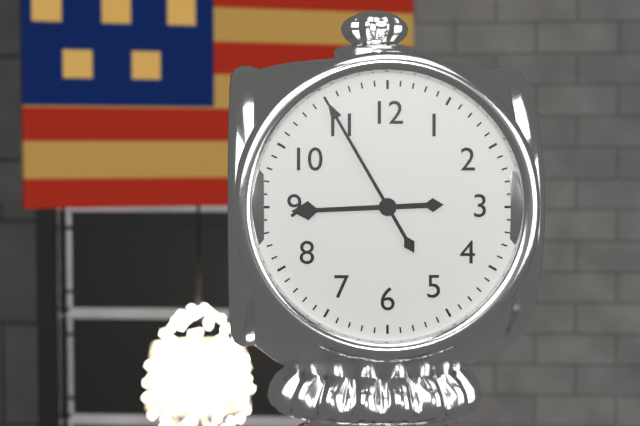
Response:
8,55
